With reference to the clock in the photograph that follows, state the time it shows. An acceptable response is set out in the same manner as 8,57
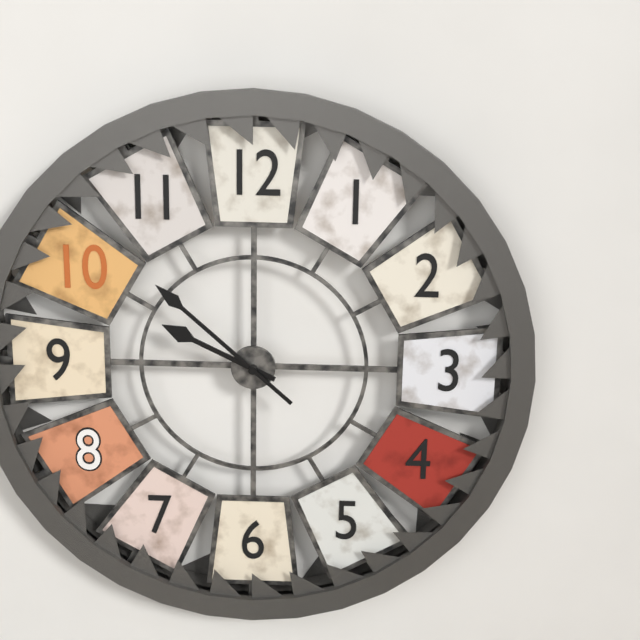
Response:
9,52
